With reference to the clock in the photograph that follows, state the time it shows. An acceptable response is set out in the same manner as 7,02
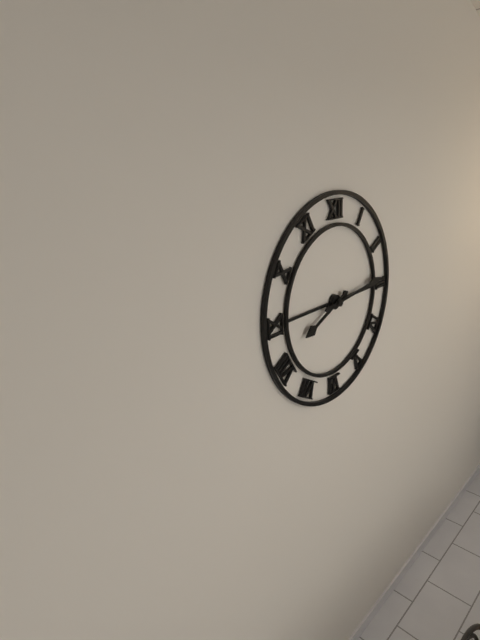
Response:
8,14
